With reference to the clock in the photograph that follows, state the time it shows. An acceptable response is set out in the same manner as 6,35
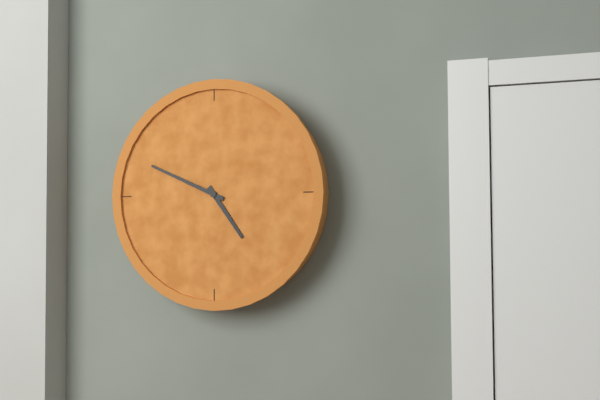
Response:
4,49
